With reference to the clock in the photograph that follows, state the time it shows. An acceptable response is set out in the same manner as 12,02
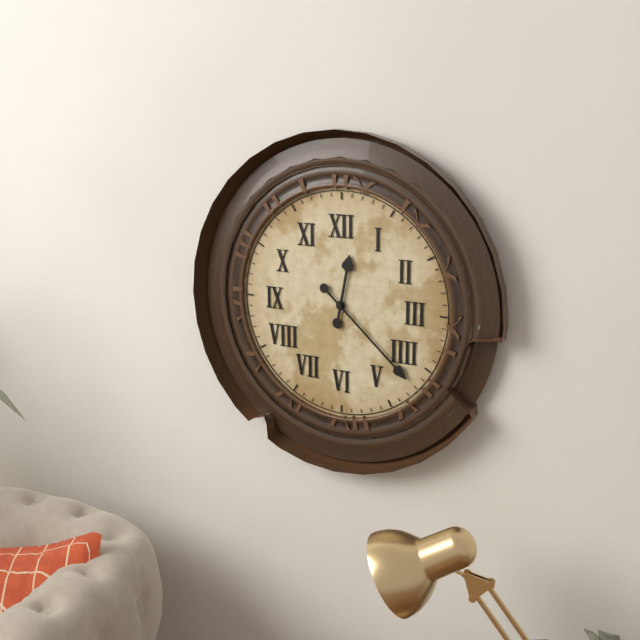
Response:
12,22
